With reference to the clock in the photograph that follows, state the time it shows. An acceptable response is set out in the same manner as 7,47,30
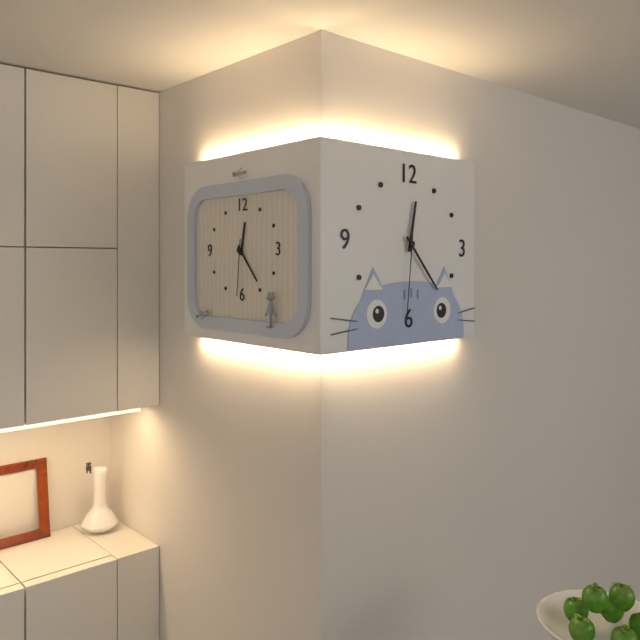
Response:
12,23,31
